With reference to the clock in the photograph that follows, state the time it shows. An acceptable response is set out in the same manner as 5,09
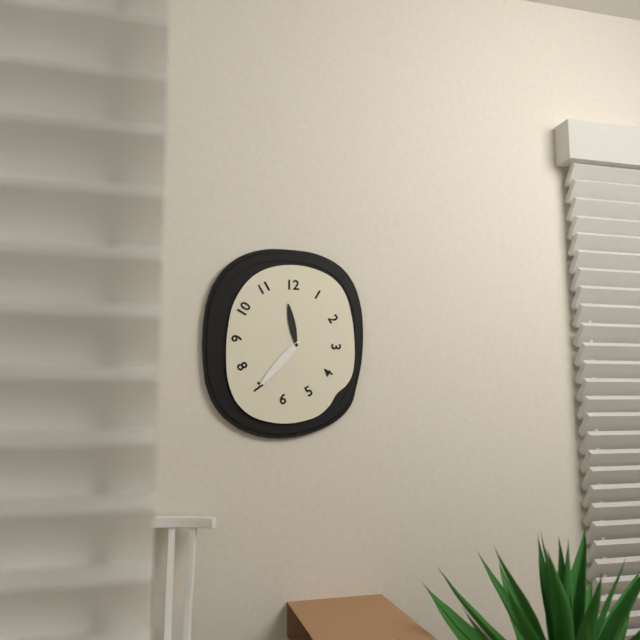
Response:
11,37
